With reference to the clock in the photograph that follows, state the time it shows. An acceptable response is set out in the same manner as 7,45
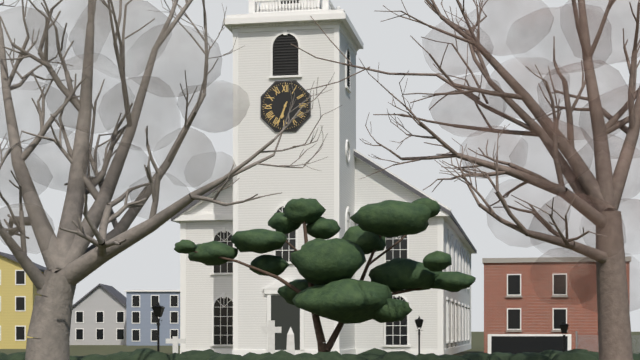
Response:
6,34
